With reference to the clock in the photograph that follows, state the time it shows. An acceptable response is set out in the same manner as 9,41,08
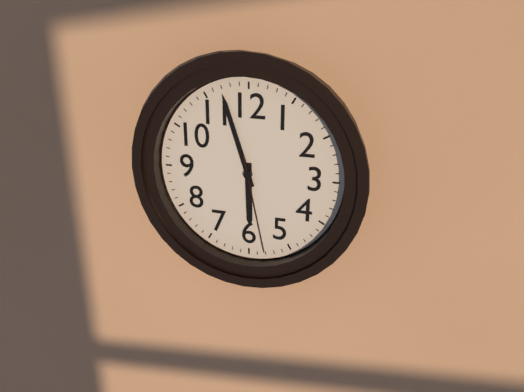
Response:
5,57,28
